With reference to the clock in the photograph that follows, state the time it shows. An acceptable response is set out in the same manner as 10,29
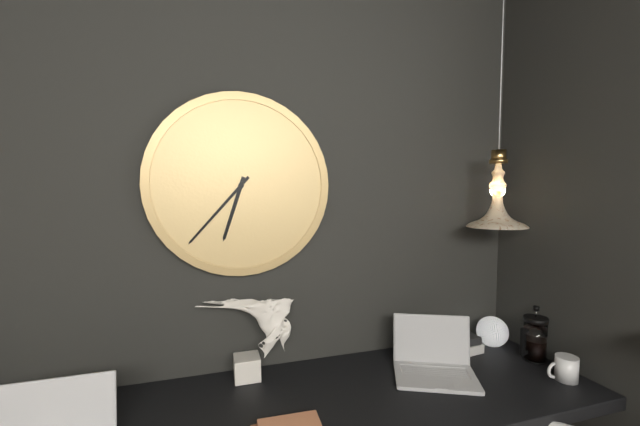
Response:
6,37
